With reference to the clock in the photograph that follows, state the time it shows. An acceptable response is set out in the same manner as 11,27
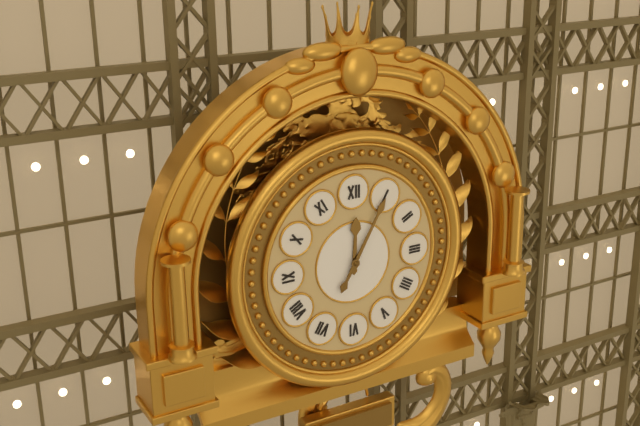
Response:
12,05
